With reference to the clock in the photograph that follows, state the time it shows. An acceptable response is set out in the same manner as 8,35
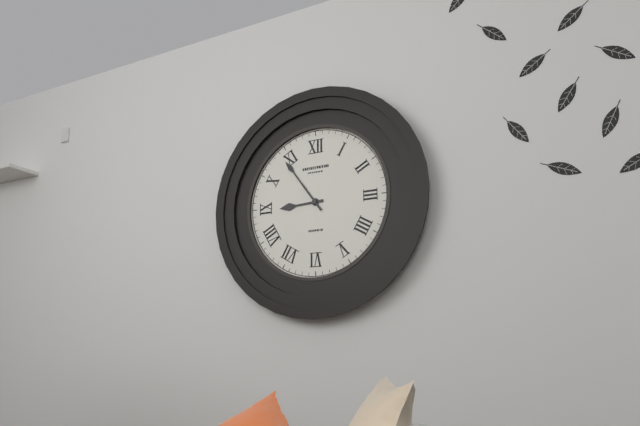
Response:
8,54
